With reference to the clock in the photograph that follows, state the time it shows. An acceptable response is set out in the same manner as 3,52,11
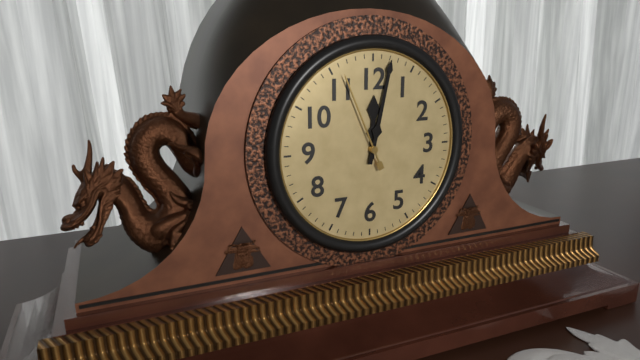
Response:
12,02,56
